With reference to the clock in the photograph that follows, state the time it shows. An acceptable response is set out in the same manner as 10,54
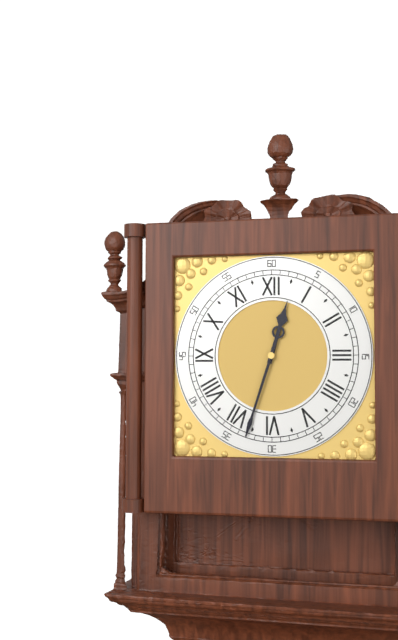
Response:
12,33
